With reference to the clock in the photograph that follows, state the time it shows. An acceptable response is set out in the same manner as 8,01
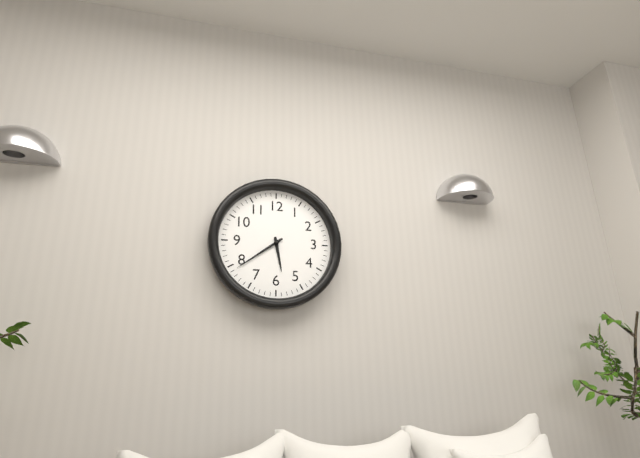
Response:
5,39
